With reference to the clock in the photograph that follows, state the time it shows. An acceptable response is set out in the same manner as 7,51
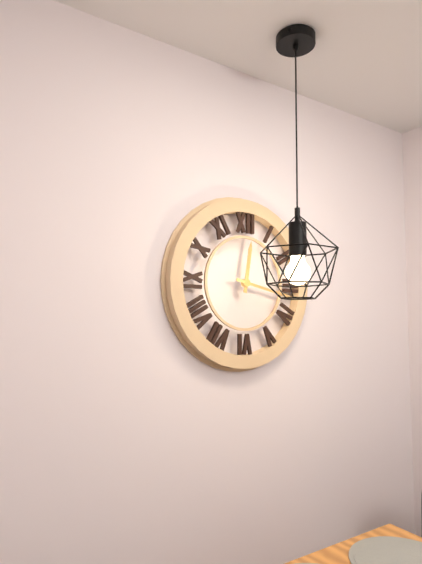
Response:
12,17
